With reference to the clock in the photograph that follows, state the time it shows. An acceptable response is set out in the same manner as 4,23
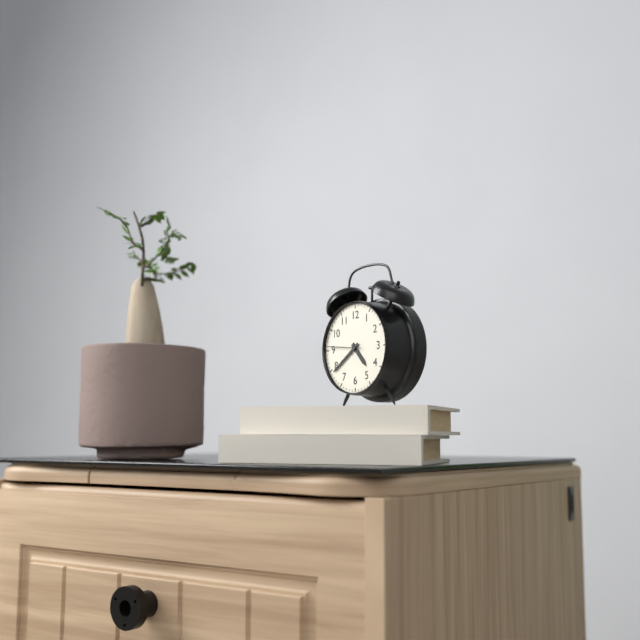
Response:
4,39
